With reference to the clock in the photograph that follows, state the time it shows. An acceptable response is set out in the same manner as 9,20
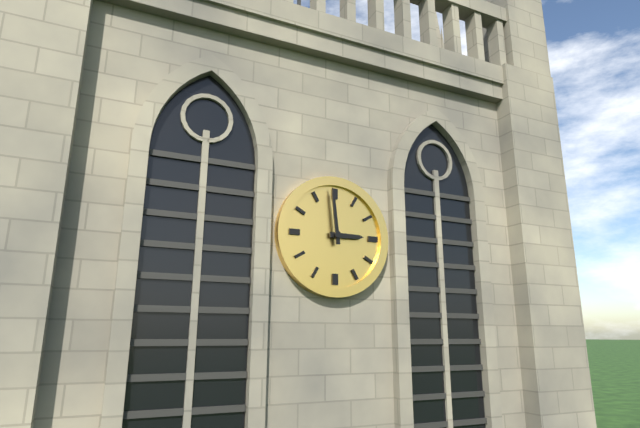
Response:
2,59
